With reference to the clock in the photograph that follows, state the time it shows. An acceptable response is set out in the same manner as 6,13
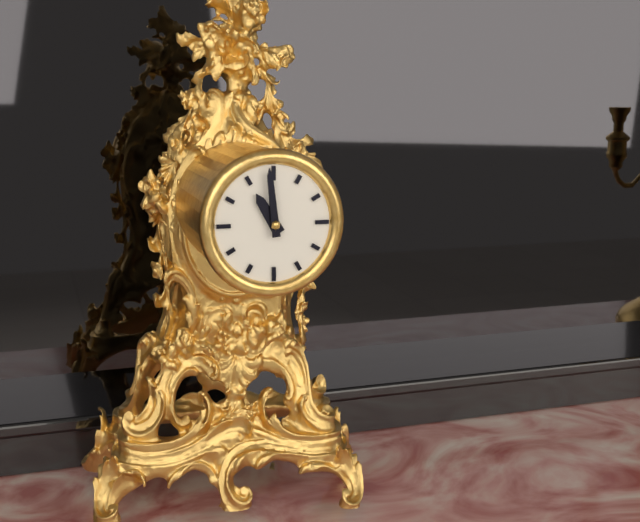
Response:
10,59
